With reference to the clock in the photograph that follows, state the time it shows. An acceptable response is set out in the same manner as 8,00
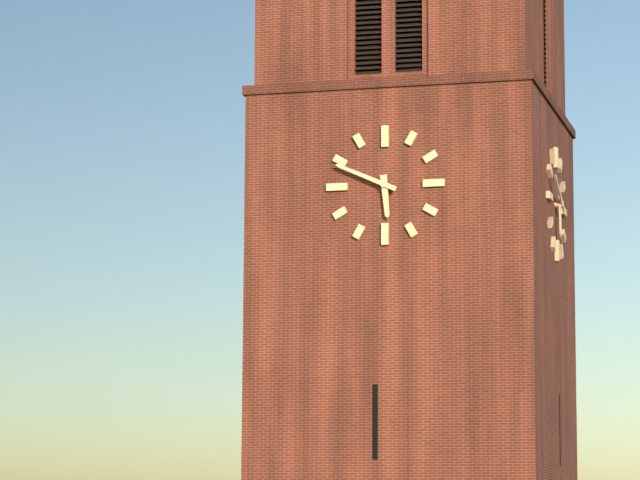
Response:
5,49
